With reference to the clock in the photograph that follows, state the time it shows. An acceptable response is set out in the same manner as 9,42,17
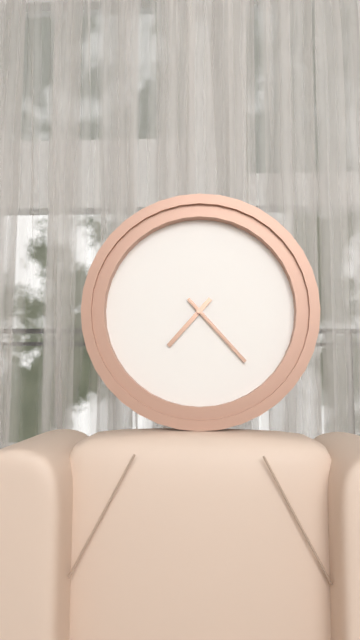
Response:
7,23,23
